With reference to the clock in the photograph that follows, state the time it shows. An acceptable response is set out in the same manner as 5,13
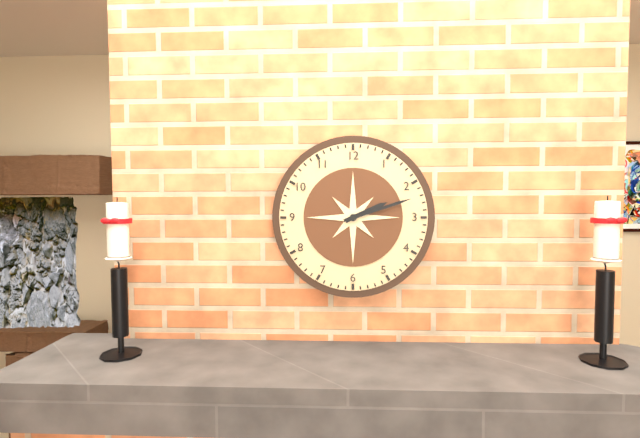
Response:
2,12
